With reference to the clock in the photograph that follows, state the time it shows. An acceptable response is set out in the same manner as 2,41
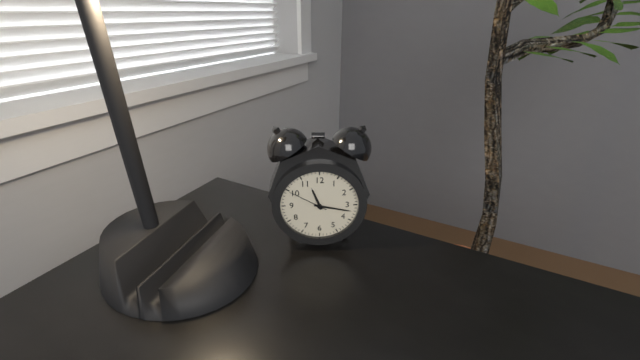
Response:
11,17
